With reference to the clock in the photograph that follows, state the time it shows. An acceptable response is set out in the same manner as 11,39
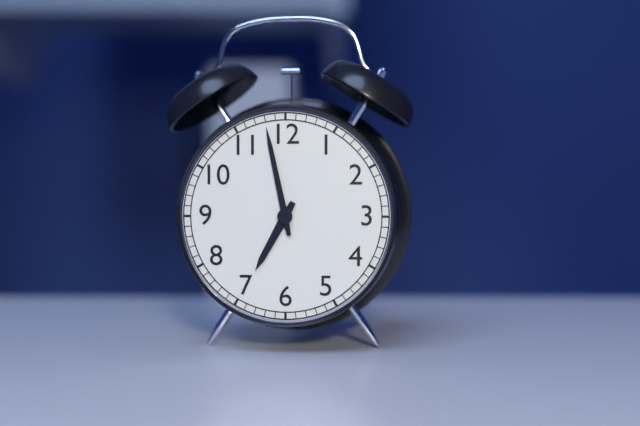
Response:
6,58
